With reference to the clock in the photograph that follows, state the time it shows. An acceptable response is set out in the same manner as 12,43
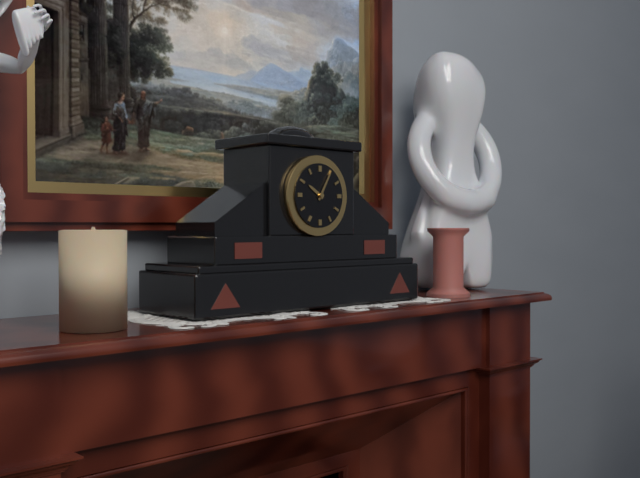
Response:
10,05
